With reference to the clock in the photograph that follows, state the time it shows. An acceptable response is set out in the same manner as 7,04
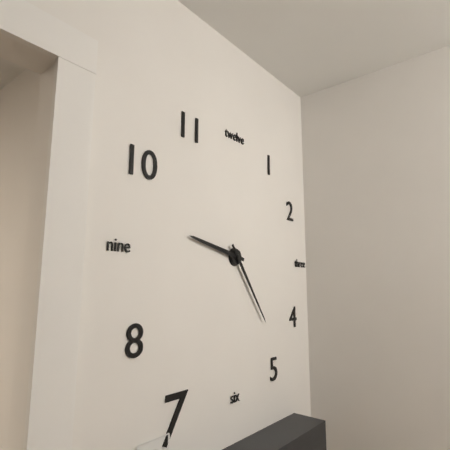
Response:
9,24
